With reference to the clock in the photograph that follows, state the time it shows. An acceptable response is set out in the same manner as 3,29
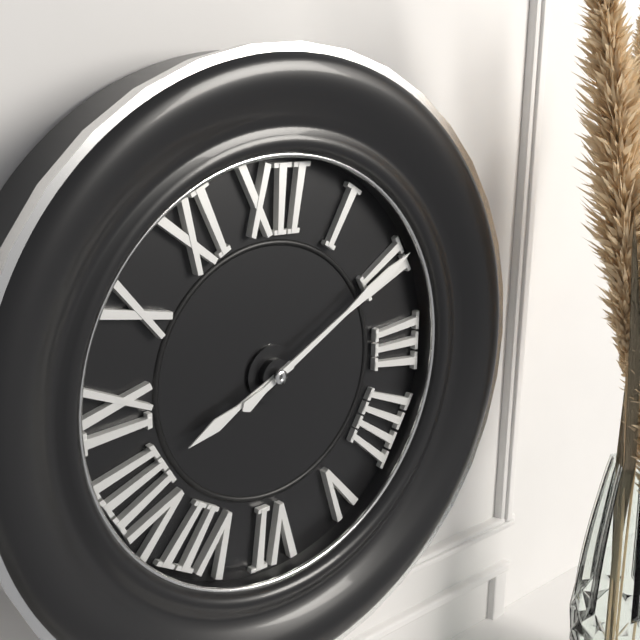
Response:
8,10
